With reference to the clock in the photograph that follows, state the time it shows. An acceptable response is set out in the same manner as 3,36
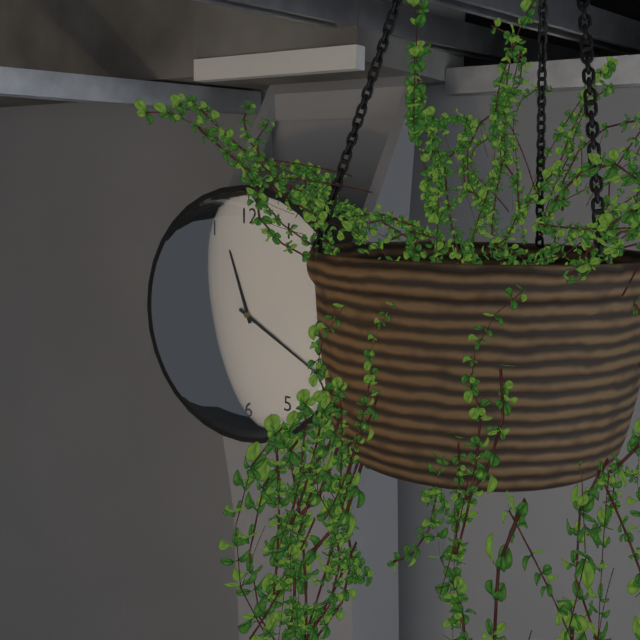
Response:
11,20
